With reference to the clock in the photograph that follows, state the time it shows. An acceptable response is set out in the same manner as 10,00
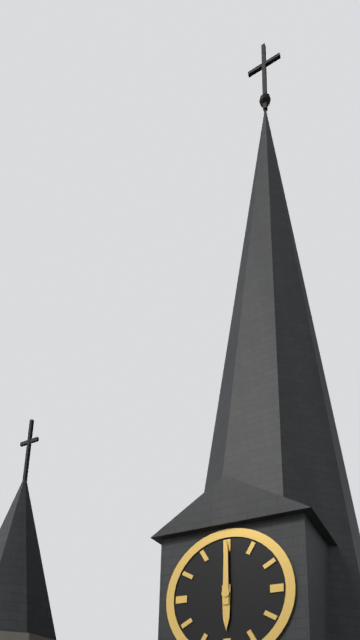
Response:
6,00
